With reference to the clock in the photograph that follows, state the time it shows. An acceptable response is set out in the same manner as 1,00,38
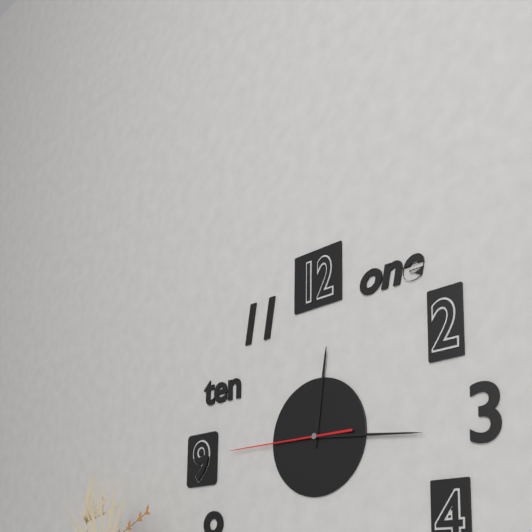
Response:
12,16,45
